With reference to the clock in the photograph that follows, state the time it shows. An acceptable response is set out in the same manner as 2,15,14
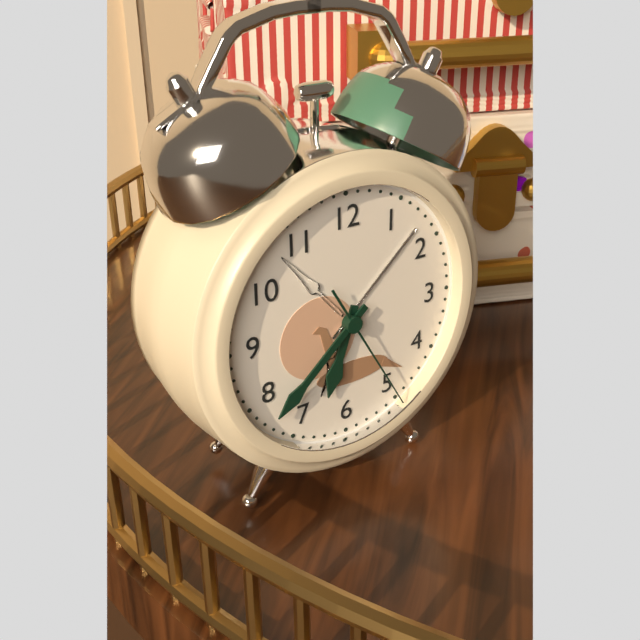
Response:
6,38,25
